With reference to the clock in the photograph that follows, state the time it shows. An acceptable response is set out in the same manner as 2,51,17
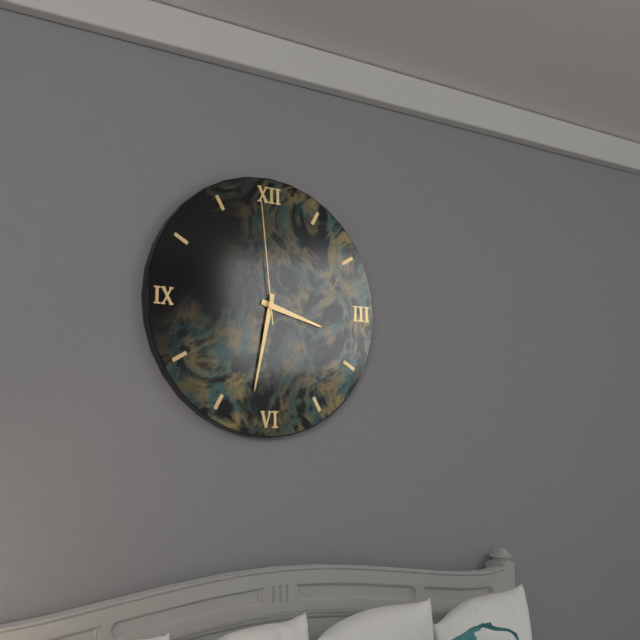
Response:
3,32,59
